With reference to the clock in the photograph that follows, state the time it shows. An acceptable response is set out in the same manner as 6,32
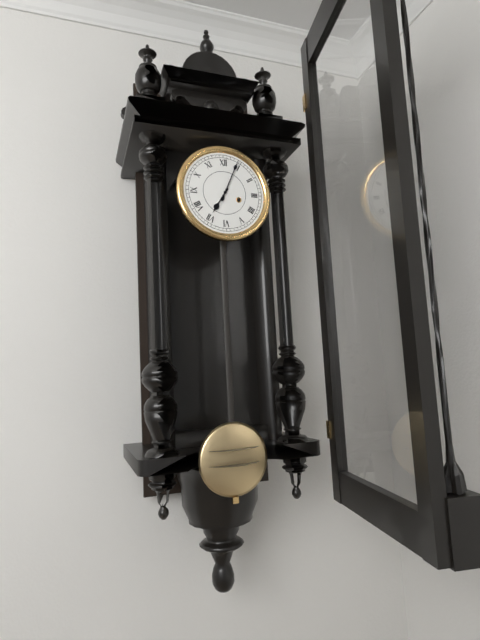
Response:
7,04
